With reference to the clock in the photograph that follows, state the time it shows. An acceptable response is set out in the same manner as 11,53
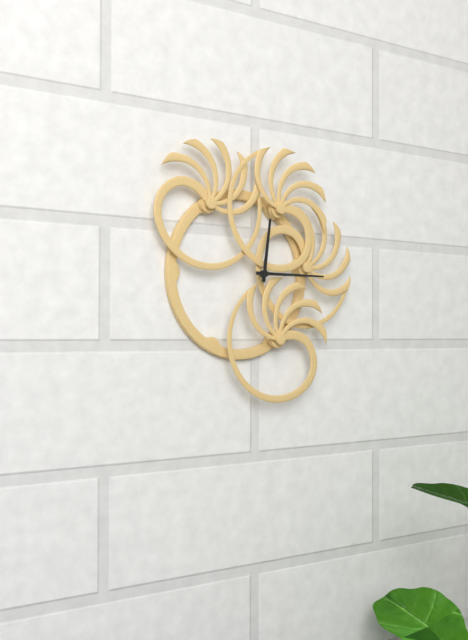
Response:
12,15
